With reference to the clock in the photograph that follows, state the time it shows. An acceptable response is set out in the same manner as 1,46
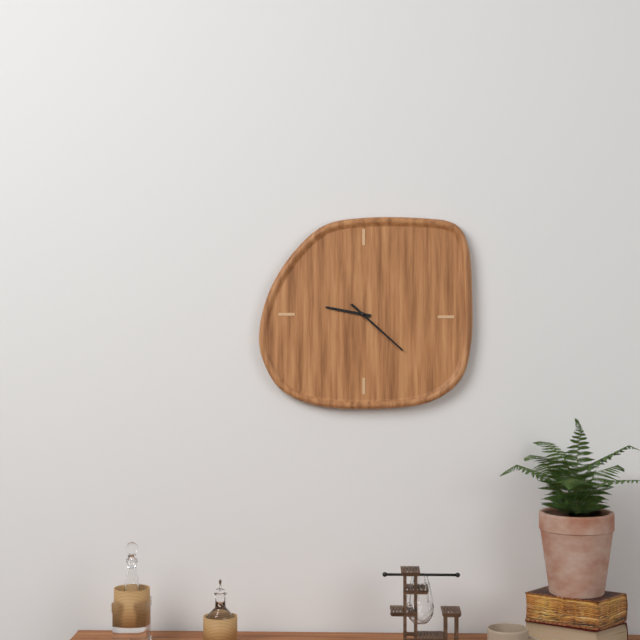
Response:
9,22
